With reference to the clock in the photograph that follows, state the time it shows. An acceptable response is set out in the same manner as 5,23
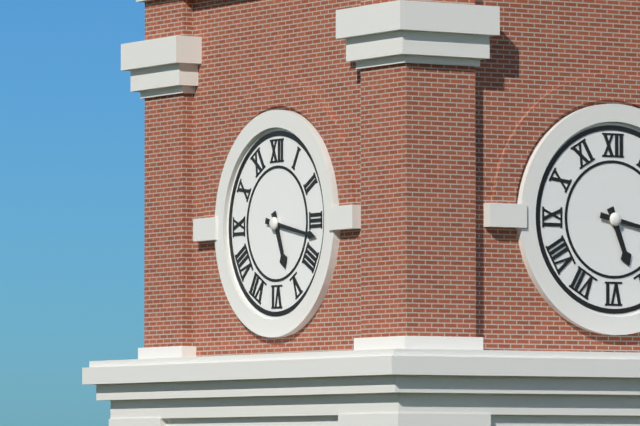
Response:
5,17
